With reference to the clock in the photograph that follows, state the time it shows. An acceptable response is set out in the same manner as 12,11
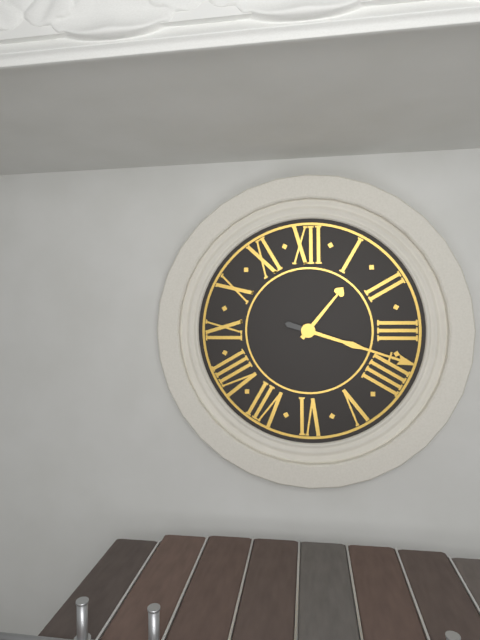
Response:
1,18
